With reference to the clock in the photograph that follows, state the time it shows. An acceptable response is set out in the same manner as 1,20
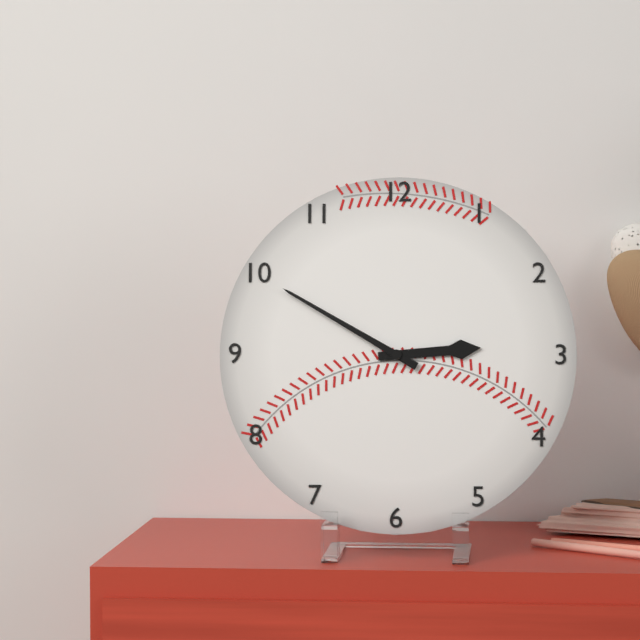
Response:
2,50
